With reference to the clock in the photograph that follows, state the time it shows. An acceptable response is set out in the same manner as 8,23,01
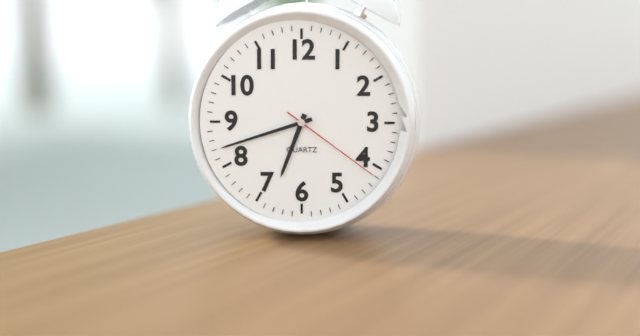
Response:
6,42,21
